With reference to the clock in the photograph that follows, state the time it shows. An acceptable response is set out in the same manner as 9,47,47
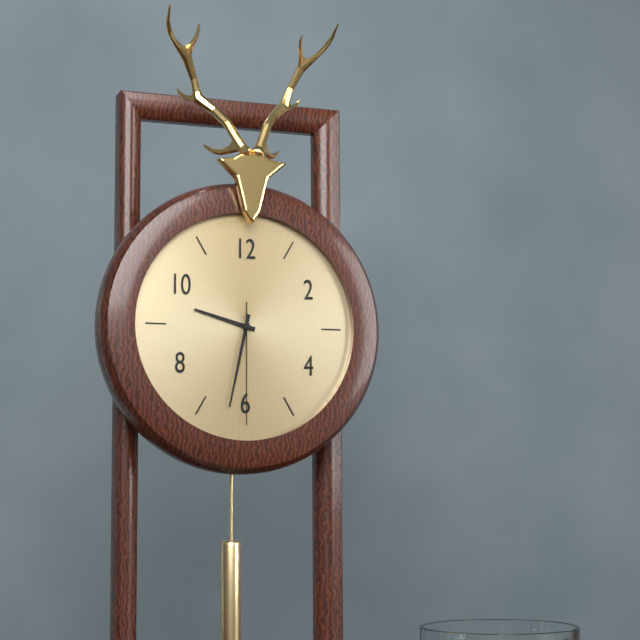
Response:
9,32,30
